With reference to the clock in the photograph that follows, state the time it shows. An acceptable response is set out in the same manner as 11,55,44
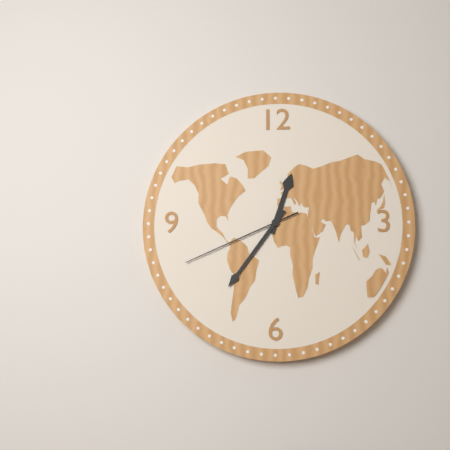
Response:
12,36,41
